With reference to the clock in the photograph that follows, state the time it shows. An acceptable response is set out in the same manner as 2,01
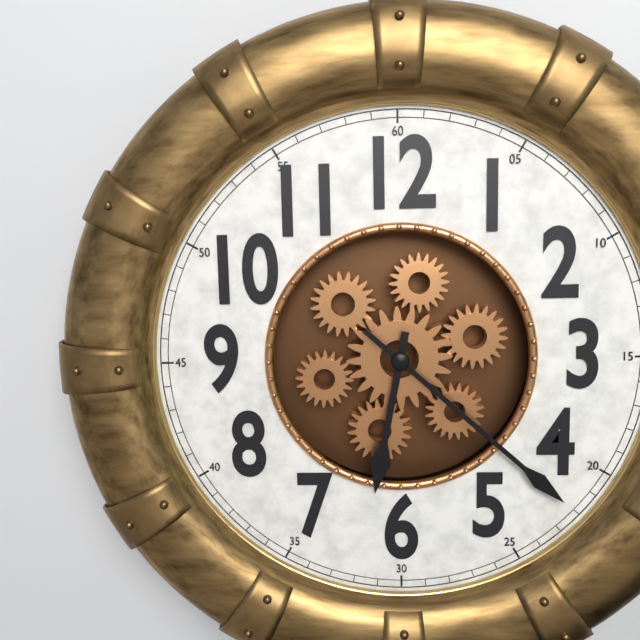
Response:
6,22
